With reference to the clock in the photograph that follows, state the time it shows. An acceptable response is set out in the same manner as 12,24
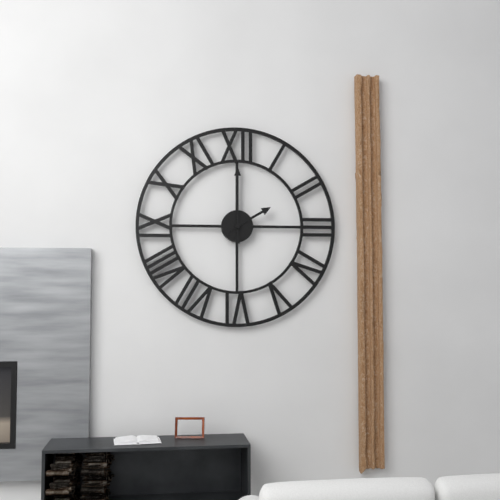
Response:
2,00
